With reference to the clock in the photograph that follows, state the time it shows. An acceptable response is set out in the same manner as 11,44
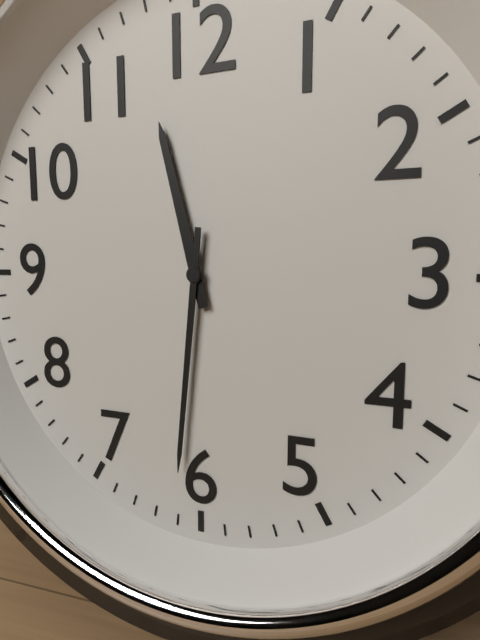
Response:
11,31
